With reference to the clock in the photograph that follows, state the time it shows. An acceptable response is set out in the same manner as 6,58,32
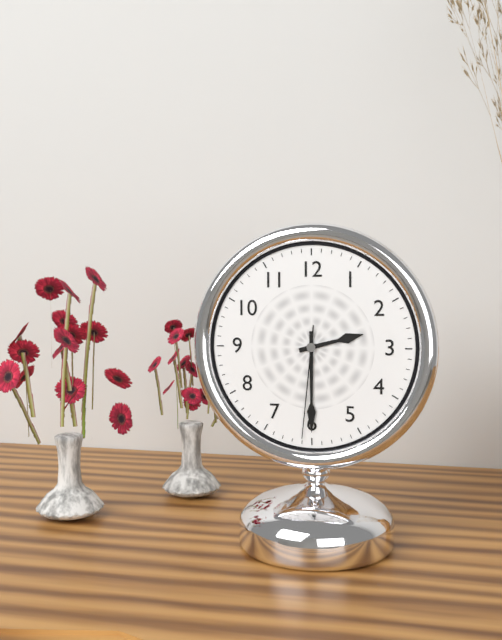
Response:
2,30,31
